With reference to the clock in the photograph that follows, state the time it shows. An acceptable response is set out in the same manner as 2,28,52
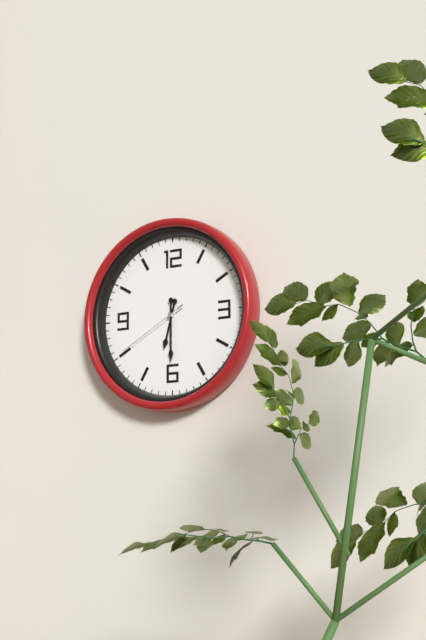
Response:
6,30,40
